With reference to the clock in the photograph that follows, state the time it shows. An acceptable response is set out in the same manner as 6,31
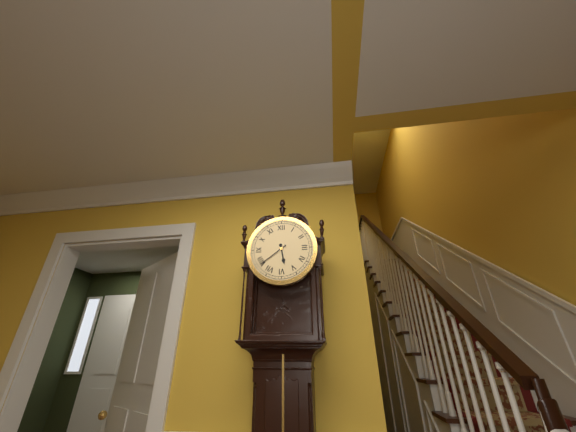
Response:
5,39
